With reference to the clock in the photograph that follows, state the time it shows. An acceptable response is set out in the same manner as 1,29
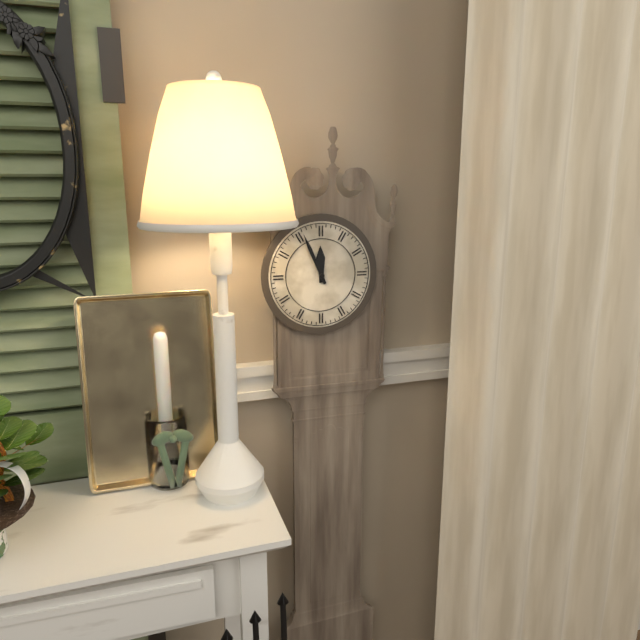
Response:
11,56
